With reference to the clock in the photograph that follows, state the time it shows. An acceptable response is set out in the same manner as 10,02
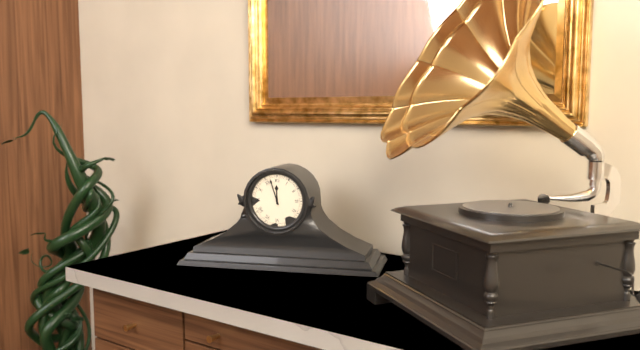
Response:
11,57
